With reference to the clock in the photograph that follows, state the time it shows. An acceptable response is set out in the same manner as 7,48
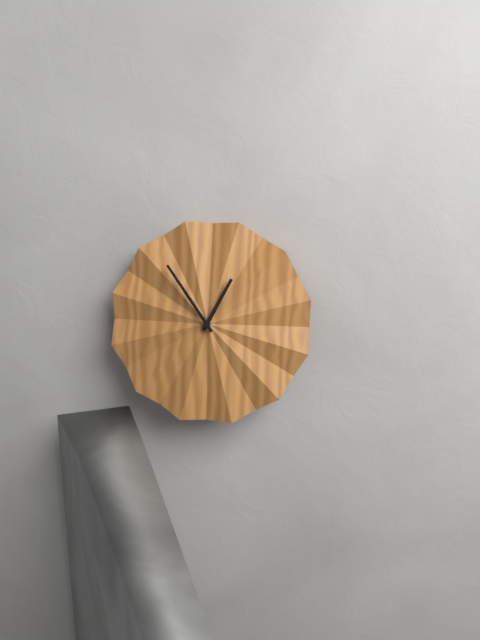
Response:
12,54
